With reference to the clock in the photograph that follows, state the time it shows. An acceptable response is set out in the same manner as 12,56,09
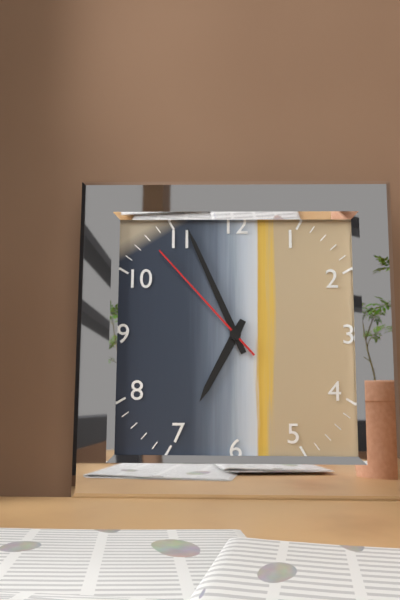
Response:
6,56,53
